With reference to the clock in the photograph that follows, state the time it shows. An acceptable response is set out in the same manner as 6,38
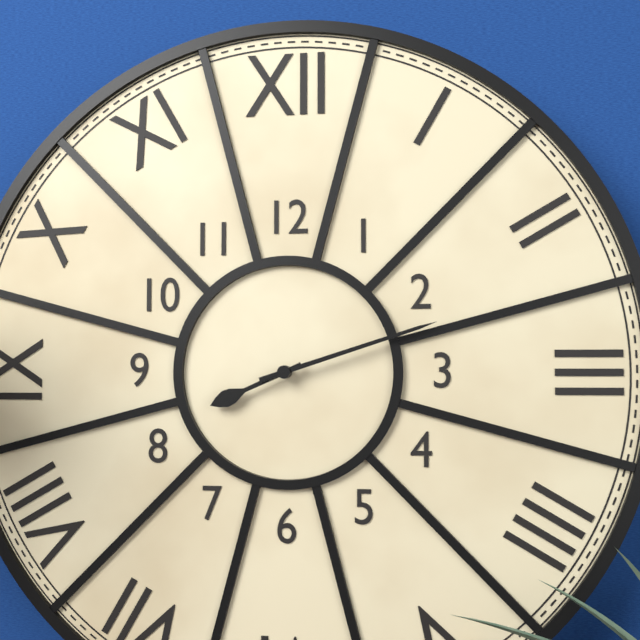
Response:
8,12
